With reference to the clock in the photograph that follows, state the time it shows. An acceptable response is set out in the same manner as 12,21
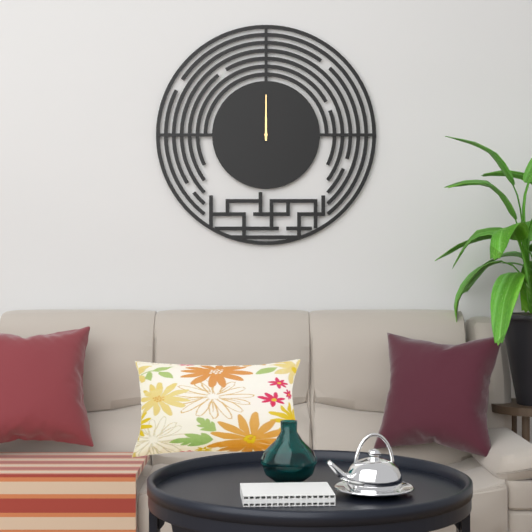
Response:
12,00
